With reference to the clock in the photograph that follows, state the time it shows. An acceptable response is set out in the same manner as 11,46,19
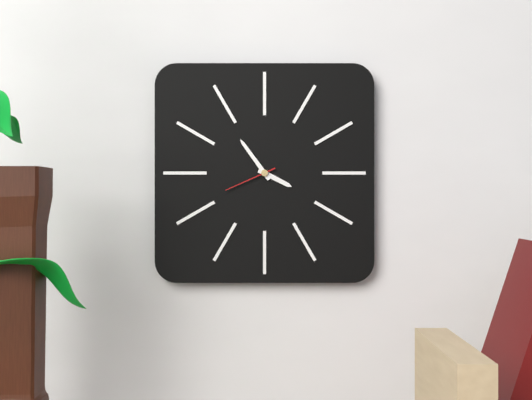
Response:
3,54,41
